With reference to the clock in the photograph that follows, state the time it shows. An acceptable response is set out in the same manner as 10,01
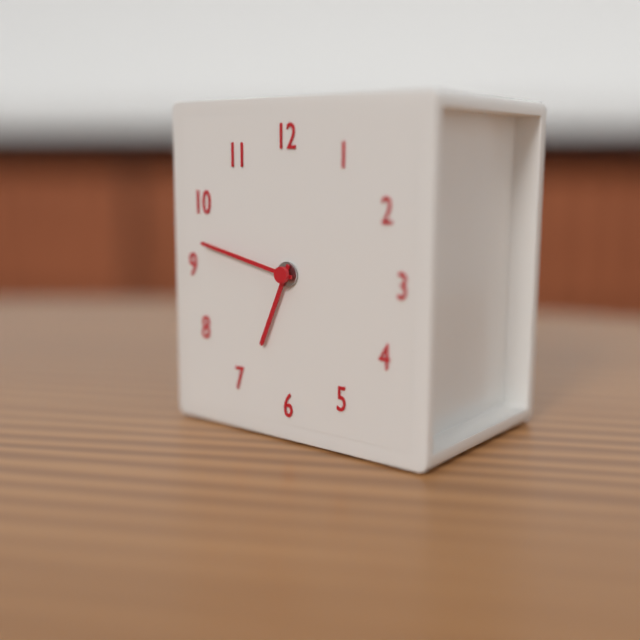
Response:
6,47
